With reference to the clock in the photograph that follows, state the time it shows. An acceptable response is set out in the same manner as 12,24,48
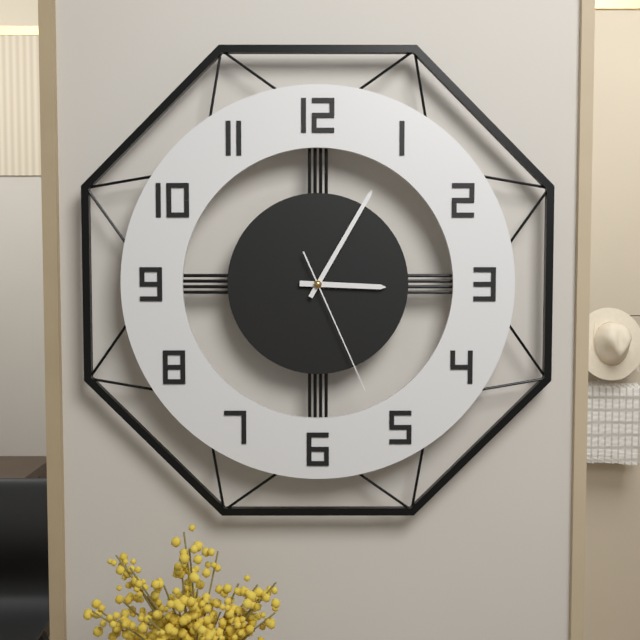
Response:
3,05,26
